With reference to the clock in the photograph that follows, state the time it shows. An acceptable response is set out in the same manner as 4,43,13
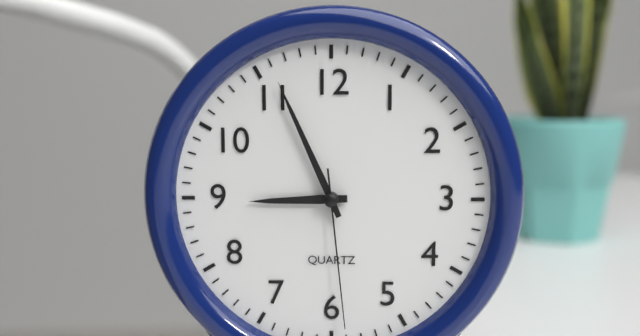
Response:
8,56,29
